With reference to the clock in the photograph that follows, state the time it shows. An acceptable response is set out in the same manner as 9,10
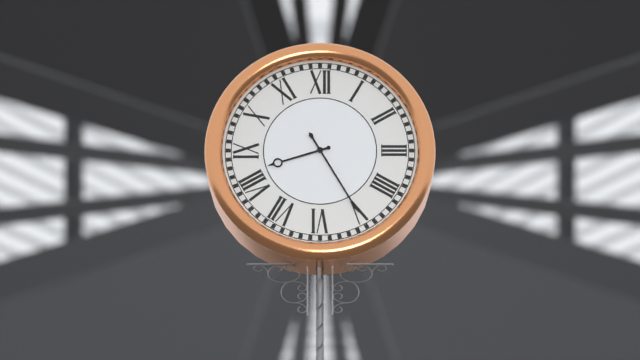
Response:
8,25
